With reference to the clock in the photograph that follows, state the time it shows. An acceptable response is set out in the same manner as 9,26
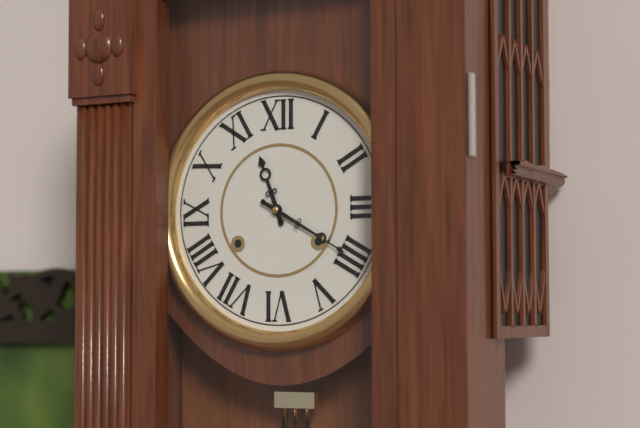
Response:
11,20
